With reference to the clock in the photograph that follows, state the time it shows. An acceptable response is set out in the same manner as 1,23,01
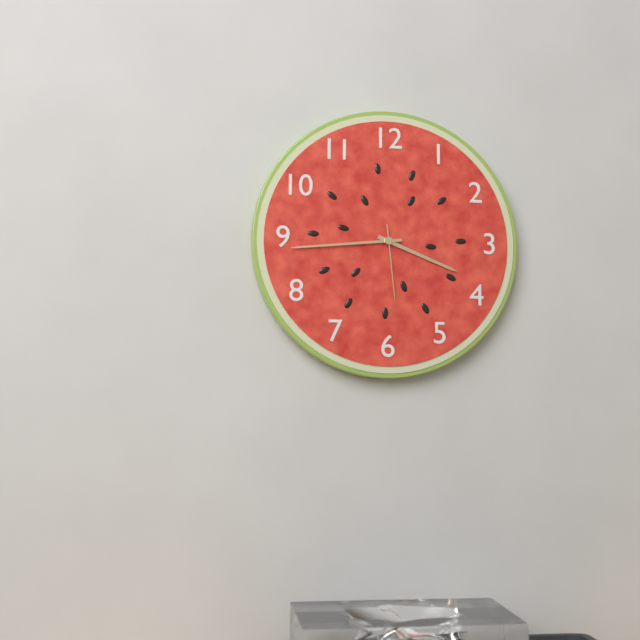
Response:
3,44,29
